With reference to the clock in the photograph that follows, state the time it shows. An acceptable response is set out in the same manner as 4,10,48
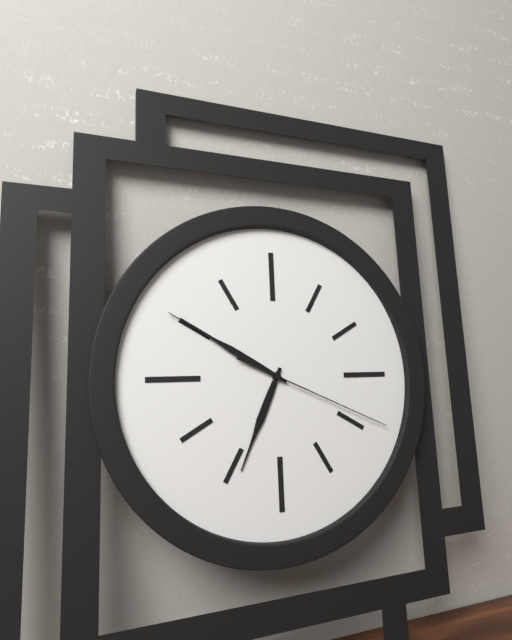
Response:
6,50,19
